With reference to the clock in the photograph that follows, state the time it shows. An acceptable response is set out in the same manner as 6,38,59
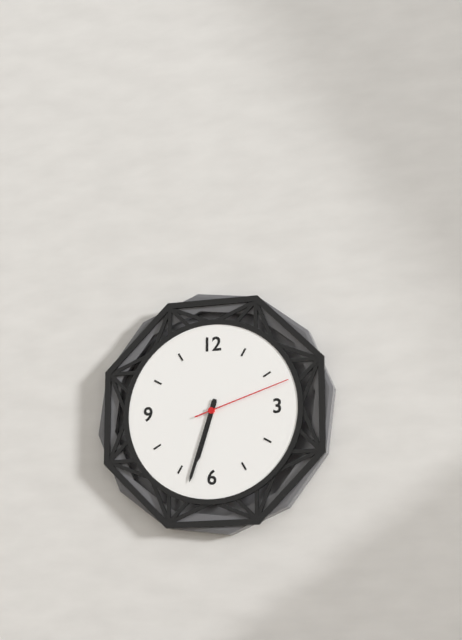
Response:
6,33,12
